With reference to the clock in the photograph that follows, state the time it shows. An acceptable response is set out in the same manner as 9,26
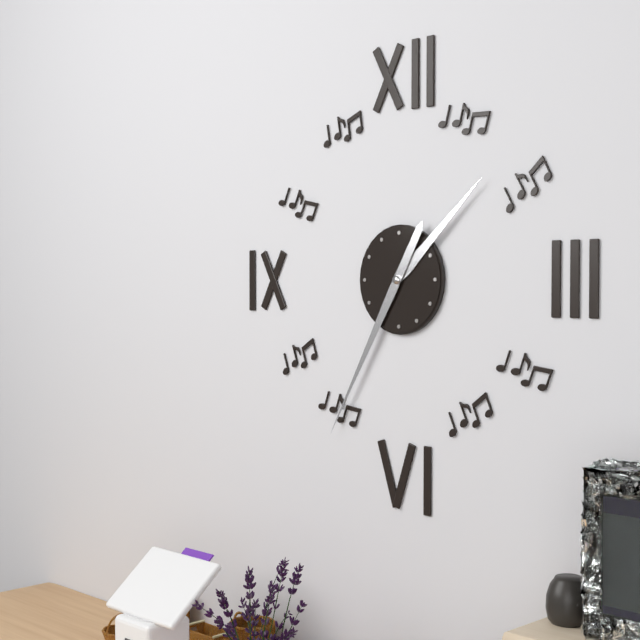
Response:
1,35
